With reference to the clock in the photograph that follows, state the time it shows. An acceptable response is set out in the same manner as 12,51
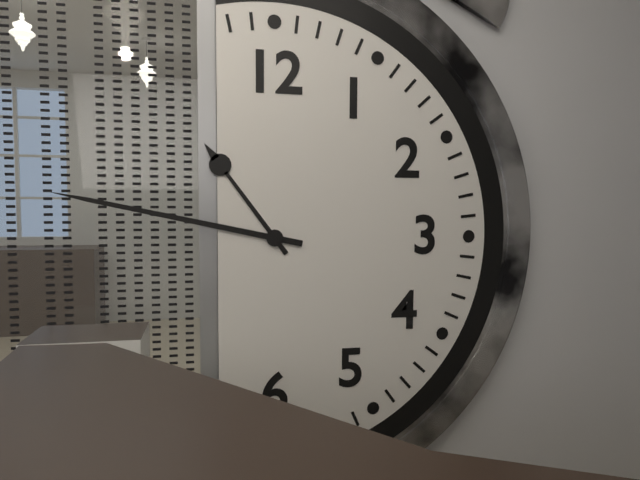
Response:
10,47
